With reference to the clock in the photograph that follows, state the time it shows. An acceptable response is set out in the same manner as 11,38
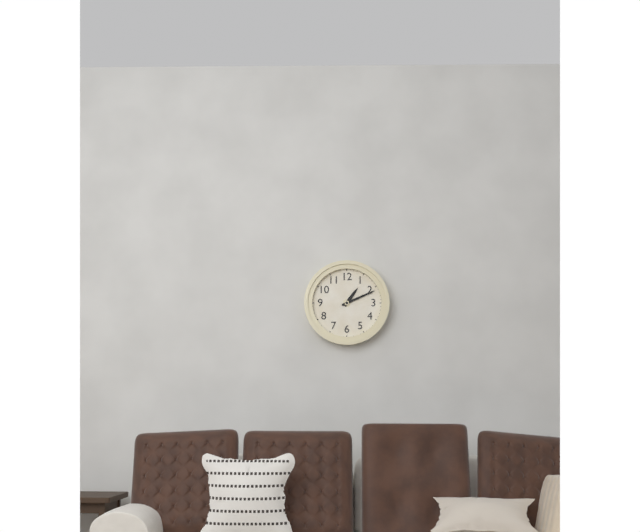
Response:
1,11
